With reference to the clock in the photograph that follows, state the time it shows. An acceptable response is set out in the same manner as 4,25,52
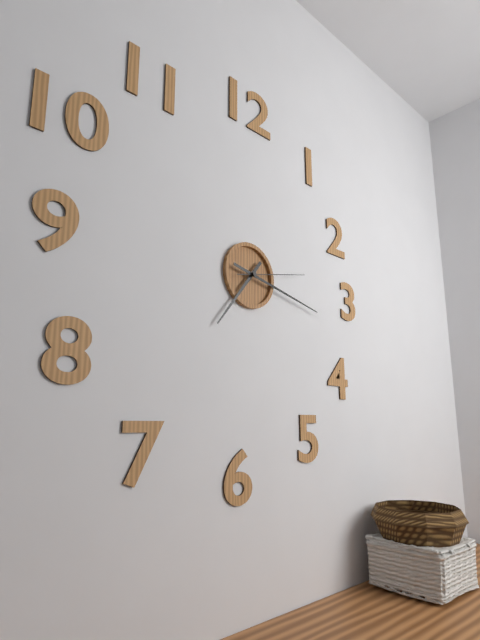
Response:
7,17,13
